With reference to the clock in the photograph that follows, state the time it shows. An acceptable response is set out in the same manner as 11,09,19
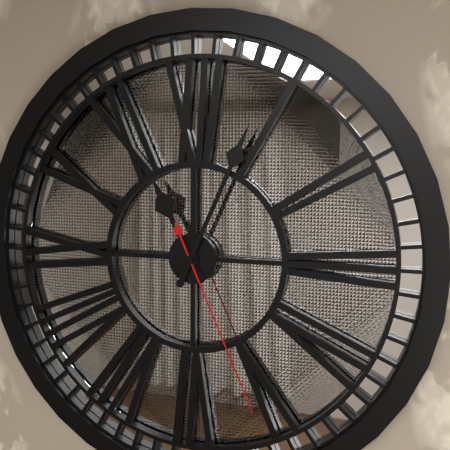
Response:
11,04,26
